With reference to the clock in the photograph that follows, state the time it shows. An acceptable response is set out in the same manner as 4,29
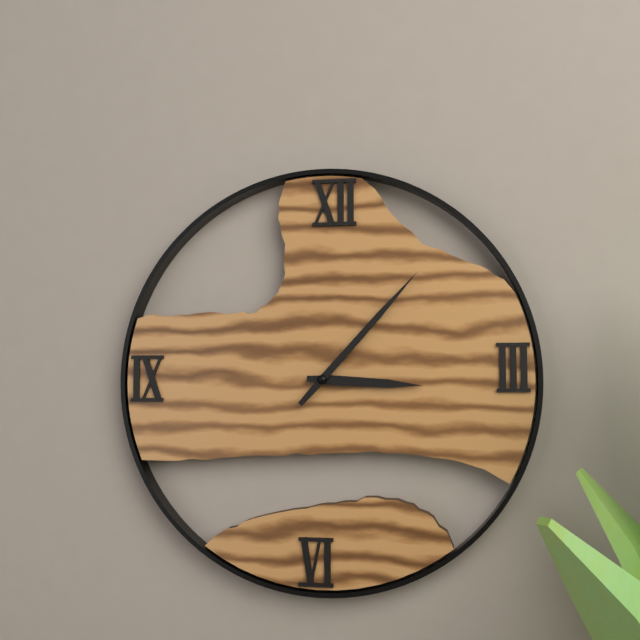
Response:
3,07
